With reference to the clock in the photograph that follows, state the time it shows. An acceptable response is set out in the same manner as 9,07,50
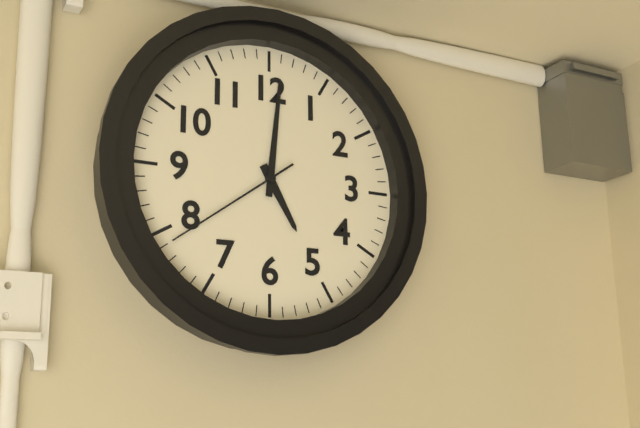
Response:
5,01,39
